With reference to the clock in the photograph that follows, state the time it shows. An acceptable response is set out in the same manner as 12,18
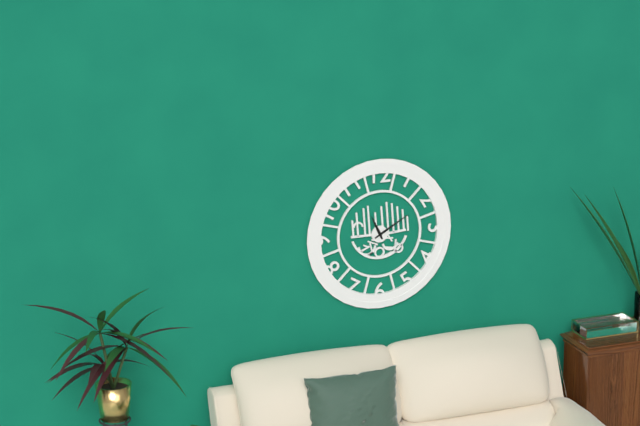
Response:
11,10
